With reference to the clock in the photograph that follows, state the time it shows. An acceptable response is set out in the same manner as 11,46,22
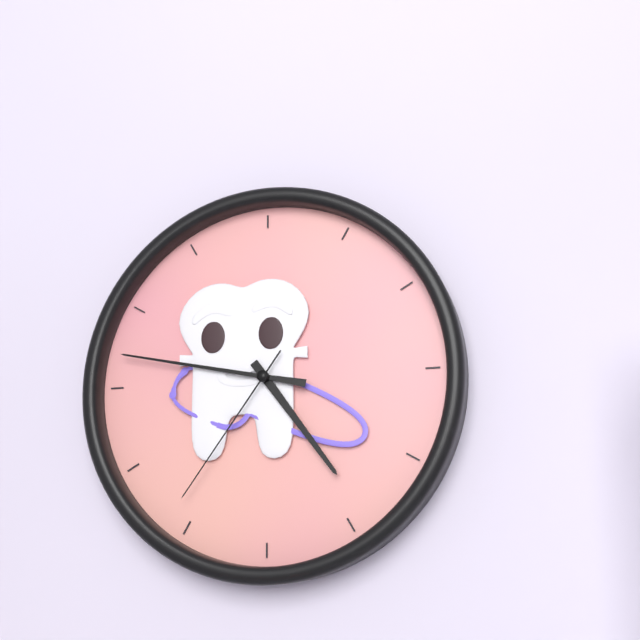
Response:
4,47,36
